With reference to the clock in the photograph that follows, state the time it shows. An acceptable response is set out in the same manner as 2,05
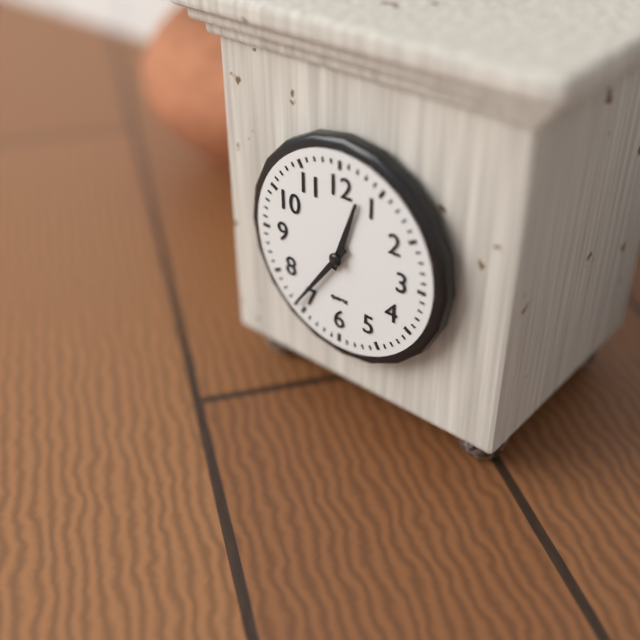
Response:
12,36
